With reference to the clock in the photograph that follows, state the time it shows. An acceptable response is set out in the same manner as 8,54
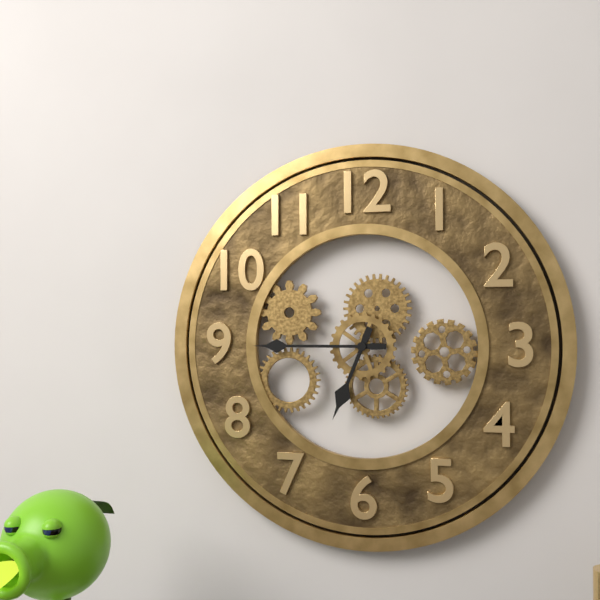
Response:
6,45
